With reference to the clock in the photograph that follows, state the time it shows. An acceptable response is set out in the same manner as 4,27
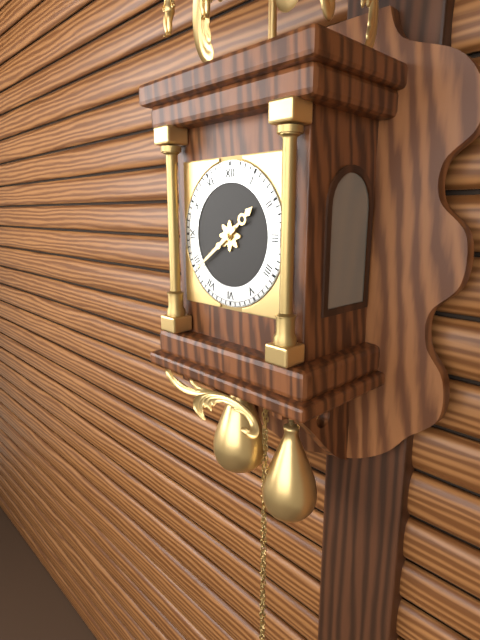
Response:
1,39
